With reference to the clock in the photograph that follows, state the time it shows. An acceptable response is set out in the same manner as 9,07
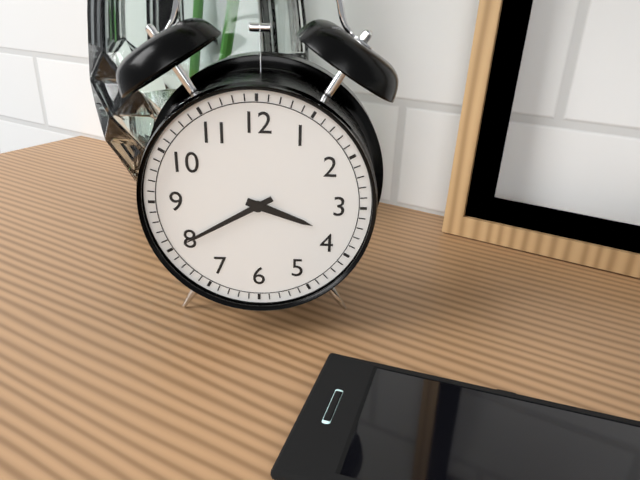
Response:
3,40
